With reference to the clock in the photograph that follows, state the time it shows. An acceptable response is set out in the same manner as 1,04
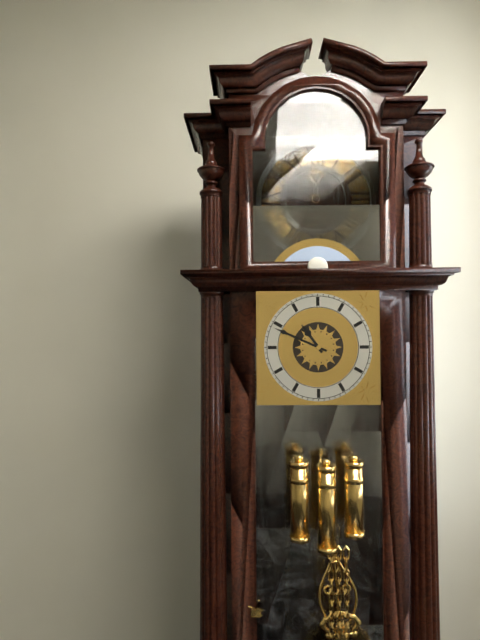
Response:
10,49
